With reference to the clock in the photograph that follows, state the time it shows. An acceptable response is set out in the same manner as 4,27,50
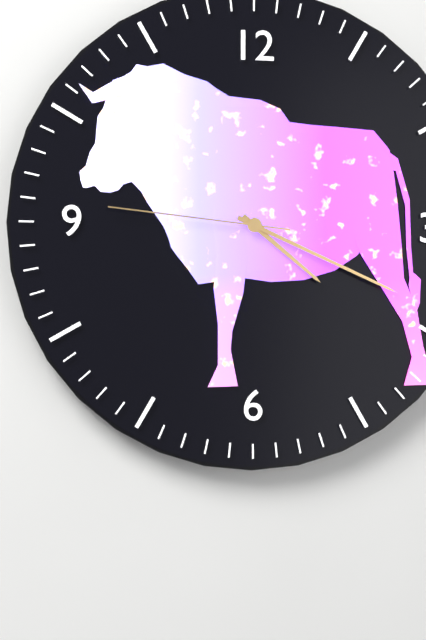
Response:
4,19,46
